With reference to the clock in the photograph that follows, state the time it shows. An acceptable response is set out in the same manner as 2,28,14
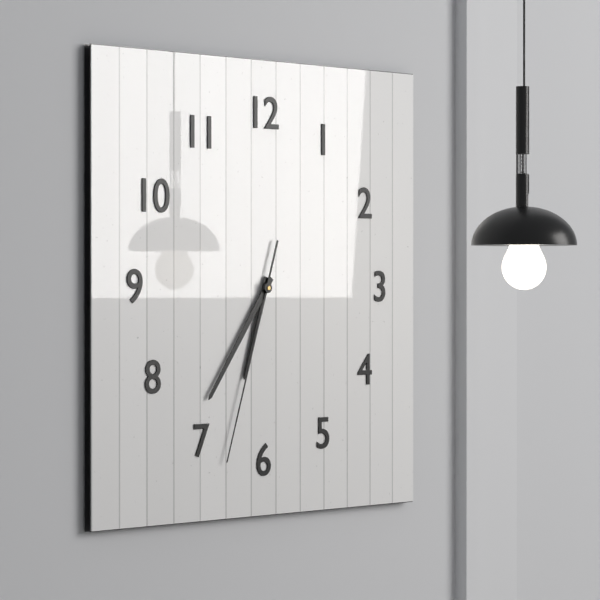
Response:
6,36,33
